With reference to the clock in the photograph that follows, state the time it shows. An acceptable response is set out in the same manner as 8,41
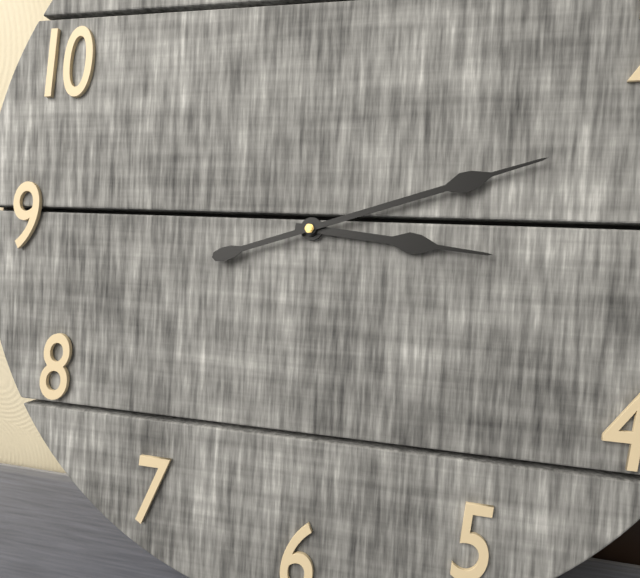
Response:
3,12
